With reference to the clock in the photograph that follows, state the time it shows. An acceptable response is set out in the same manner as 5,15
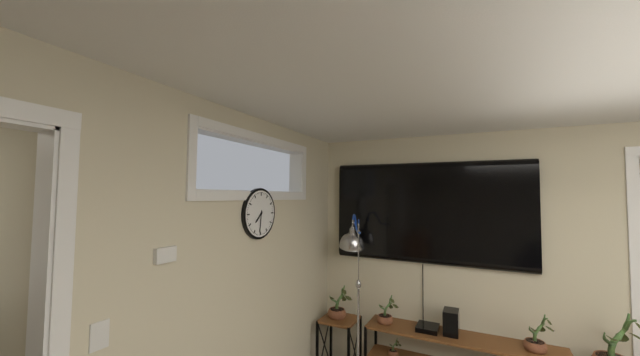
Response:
7,31
